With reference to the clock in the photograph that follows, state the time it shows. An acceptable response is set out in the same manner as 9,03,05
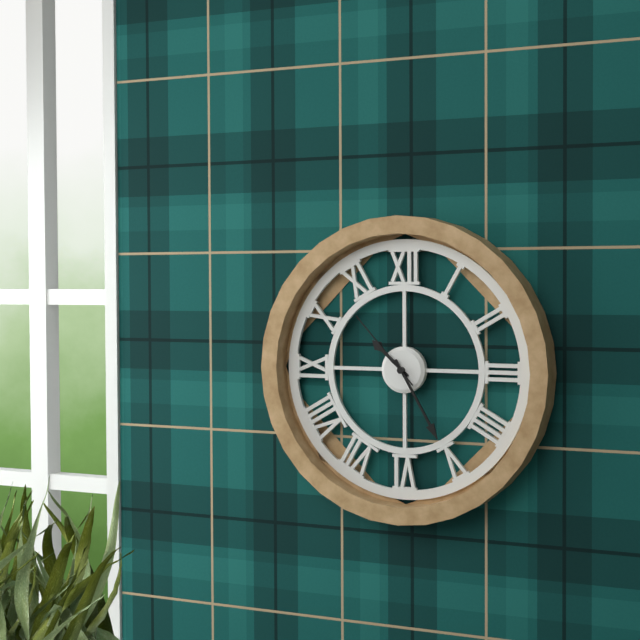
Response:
10,25,53
